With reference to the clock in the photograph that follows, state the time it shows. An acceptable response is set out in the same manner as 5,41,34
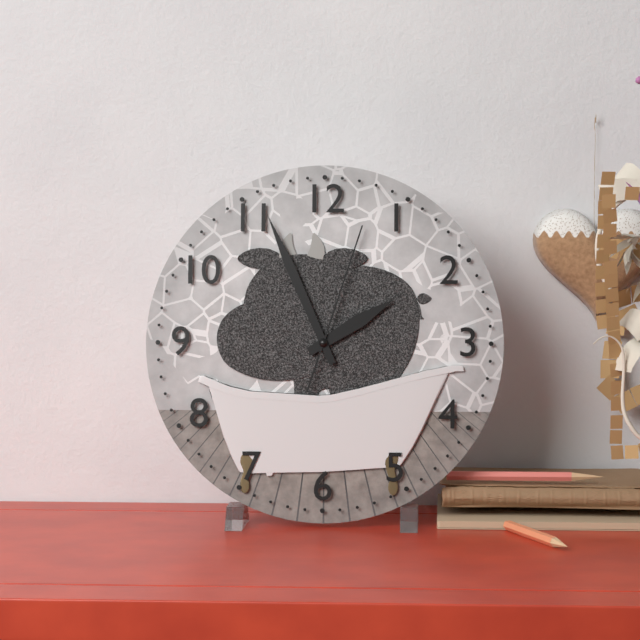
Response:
1,56,03
